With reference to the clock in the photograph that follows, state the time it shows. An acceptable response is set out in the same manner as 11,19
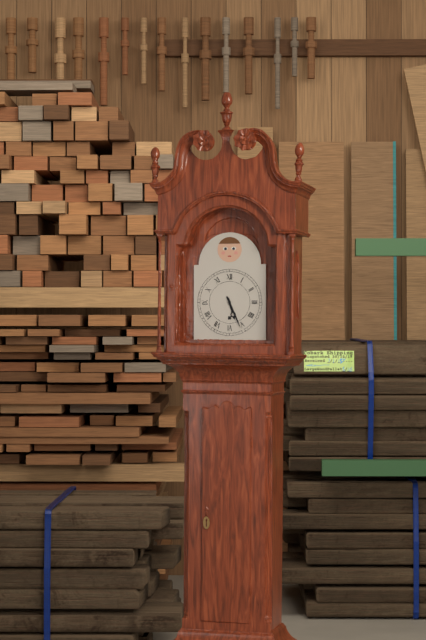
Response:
5,26
